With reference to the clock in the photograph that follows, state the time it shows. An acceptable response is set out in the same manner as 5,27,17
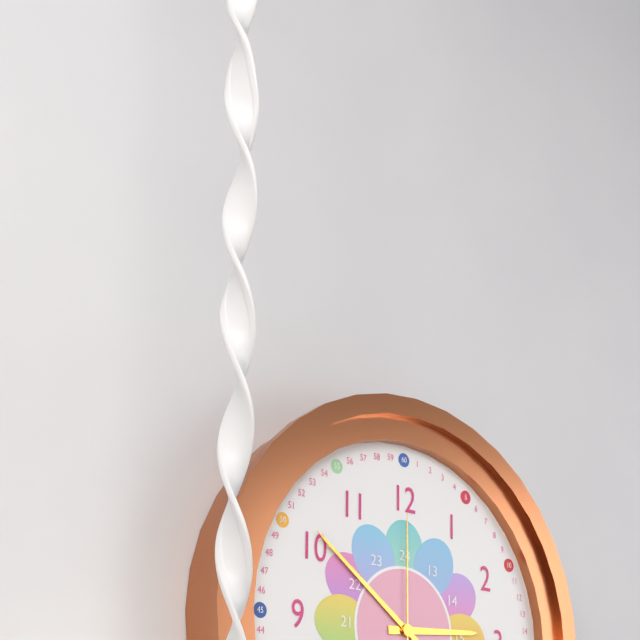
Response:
2,51,00
